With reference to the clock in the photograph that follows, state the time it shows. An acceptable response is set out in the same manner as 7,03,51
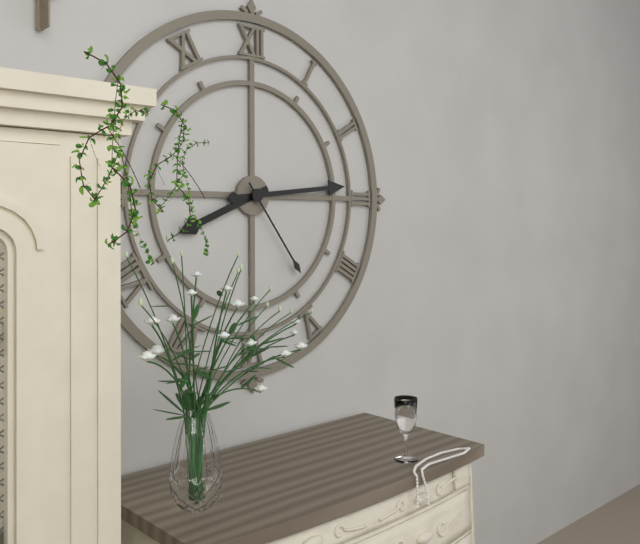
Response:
8,14,24
